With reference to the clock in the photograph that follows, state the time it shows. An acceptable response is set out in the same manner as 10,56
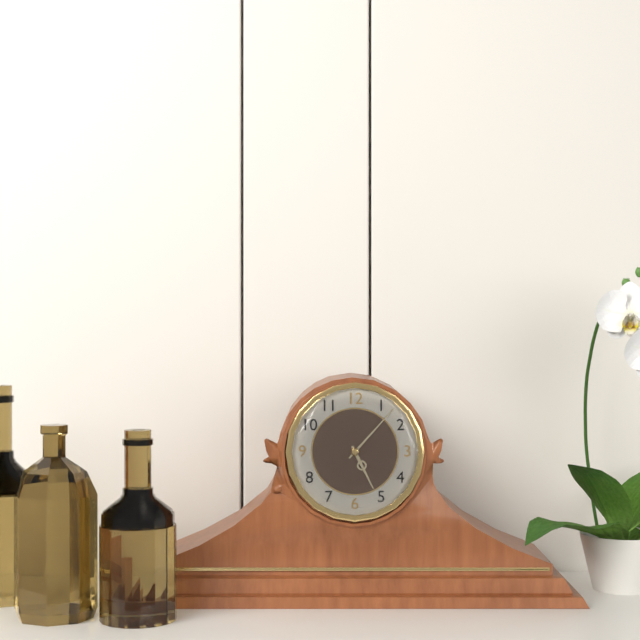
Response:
5,07
